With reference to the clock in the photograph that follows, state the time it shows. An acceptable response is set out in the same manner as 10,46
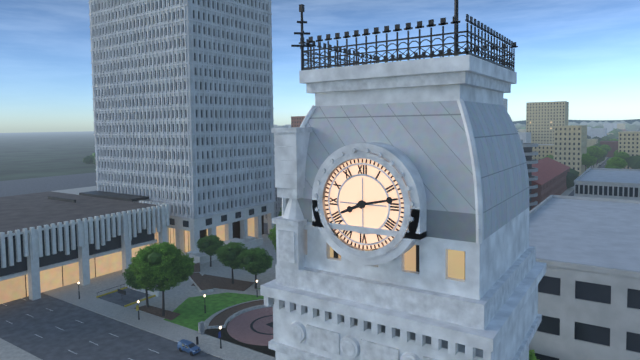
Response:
8,13
